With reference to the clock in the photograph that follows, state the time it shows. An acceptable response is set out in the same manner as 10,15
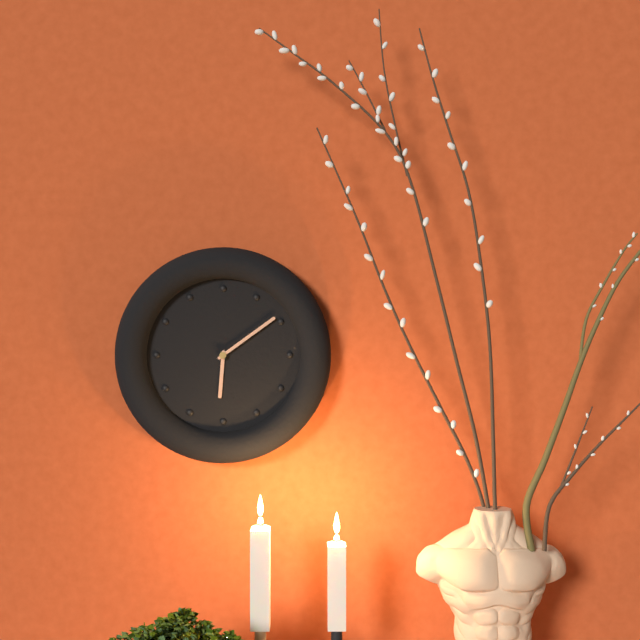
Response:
6,09
